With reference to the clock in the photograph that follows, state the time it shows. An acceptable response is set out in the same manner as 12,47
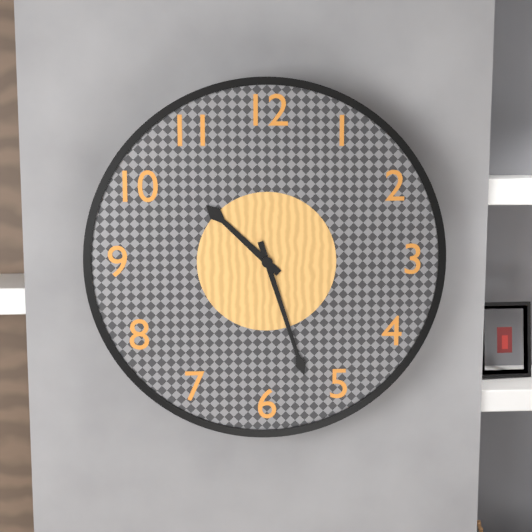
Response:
10,27
